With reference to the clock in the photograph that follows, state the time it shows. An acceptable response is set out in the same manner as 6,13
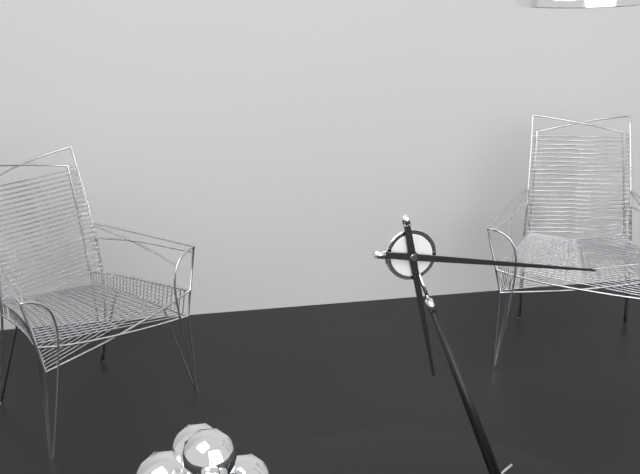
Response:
6,20
